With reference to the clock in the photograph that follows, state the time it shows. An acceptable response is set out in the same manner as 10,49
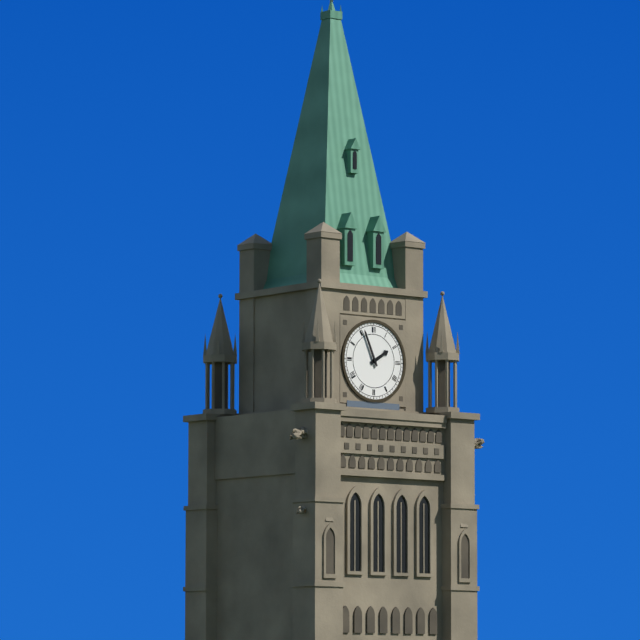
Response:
1,56
